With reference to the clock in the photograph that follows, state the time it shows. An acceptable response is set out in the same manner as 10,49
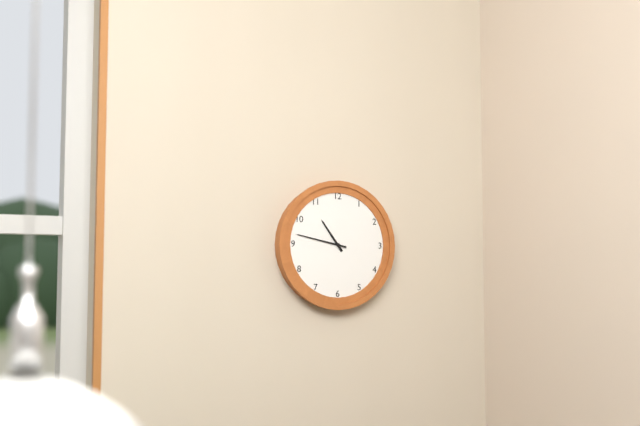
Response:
10,47
